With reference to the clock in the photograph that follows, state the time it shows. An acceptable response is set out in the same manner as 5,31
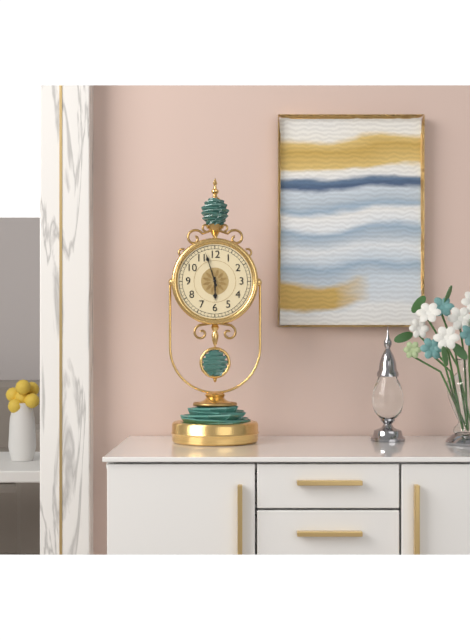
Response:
5,57
